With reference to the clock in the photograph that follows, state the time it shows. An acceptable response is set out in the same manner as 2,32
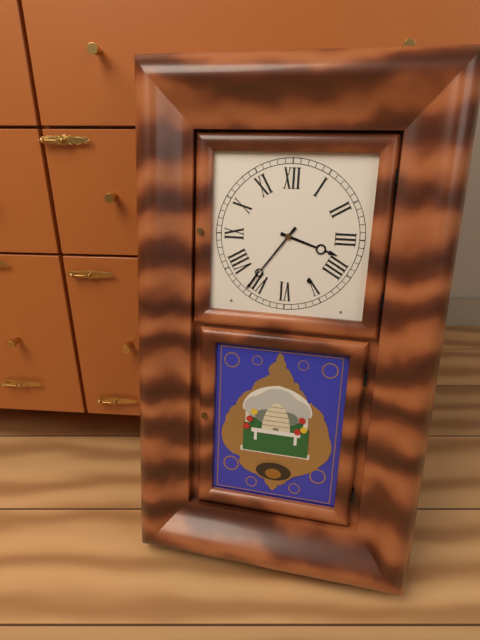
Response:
3,36
